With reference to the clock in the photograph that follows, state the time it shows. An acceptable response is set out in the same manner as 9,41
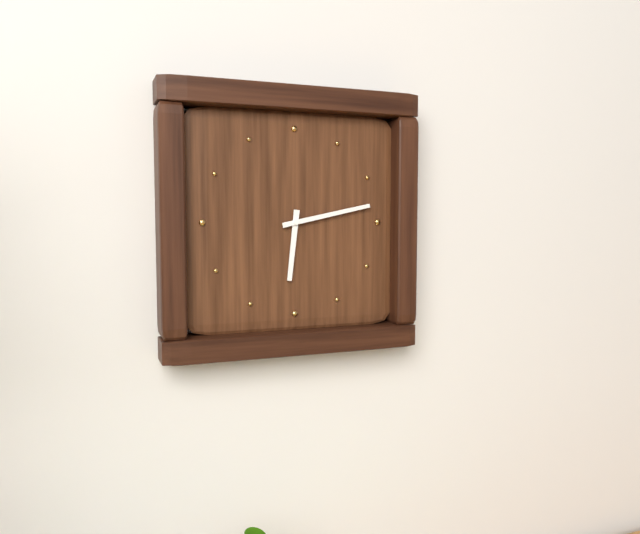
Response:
6,13
